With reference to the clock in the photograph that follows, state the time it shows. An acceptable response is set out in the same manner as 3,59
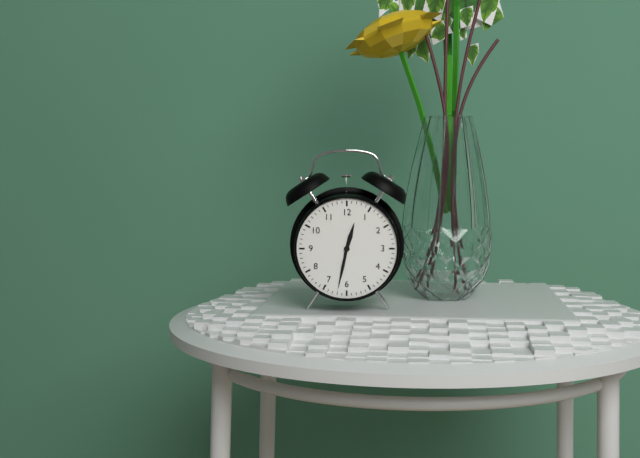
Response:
12,32
